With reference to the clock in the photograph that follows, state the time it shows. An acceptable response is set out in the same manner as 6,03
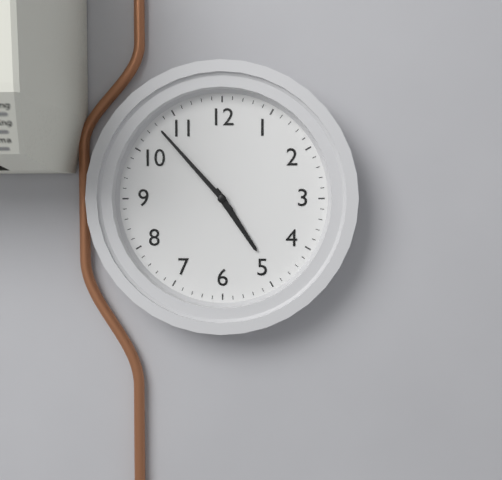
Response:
4,53
